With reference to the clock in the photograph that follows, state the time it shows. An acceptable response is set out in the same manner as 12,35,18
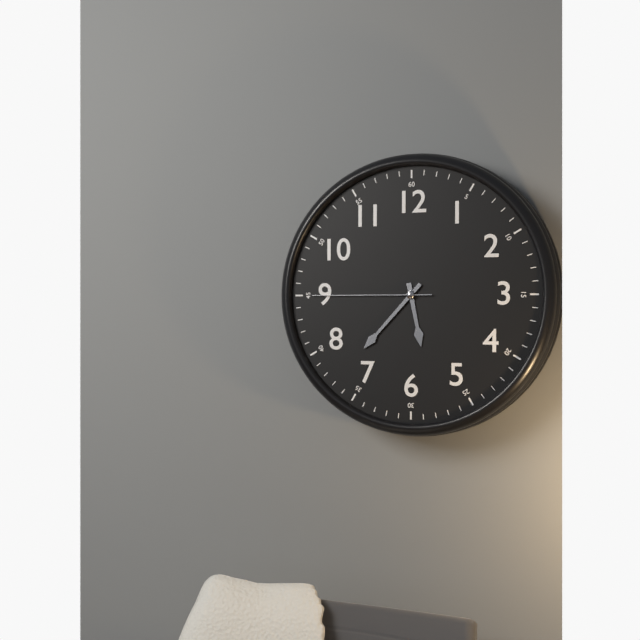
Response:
5,37,45
